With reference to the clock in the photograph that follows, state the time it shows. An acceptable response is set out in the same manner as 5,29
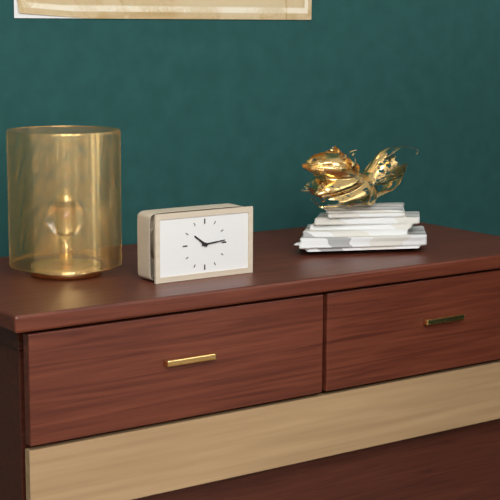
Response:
10,14
